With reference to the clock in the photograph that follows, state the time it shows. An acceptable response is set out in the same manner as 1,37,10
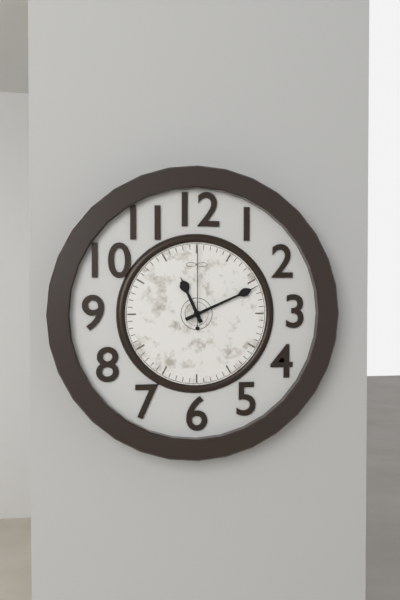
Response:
11,11,00
